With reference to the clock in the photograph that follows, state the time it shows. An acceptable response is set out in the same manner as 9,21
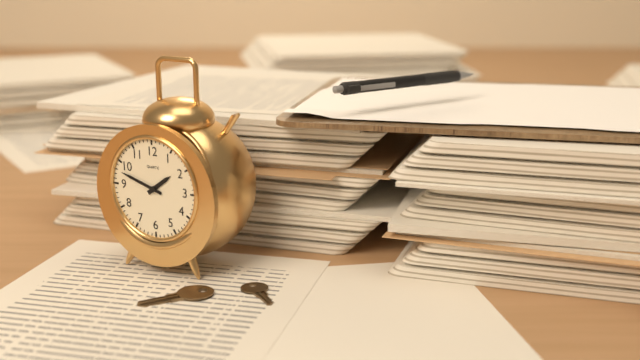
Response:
1,48
